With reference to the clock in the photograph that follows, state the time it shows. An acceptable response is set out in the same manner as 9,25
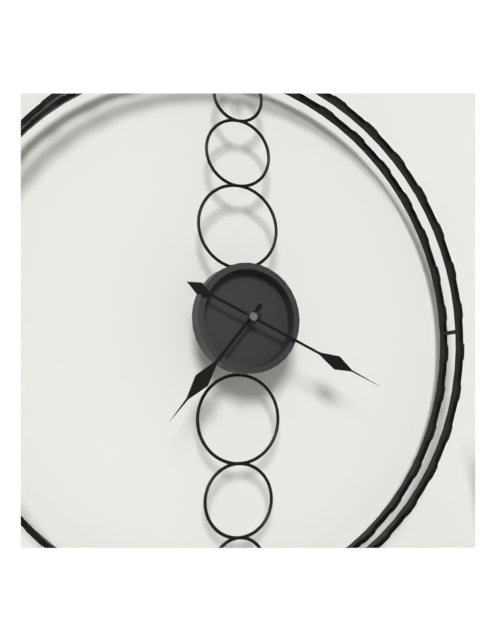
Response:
7,19
